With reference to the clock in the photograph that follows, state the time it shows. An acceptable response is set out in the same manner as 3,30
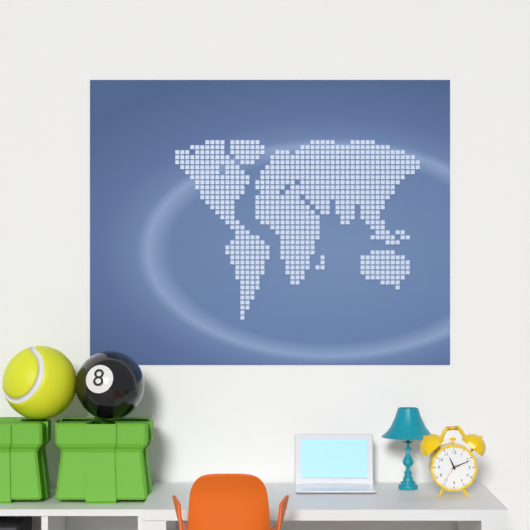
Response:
11,11
